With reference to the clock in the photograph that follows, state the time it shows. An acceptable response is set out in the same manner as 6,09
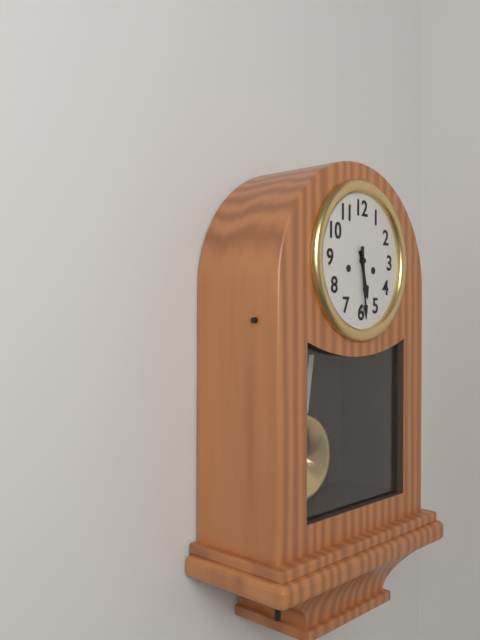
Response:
5,29
